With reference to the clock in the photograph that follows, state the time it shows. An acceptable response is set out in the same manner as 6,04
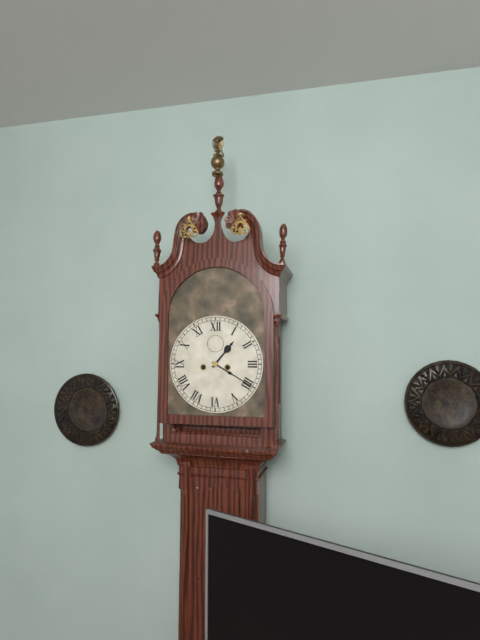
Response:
1,20
